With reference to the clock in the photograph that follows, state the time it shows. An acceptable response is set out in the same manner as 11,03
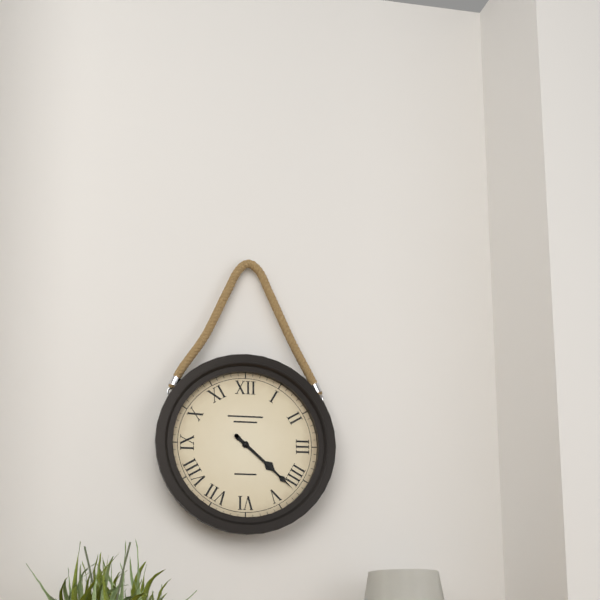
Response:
4,22
